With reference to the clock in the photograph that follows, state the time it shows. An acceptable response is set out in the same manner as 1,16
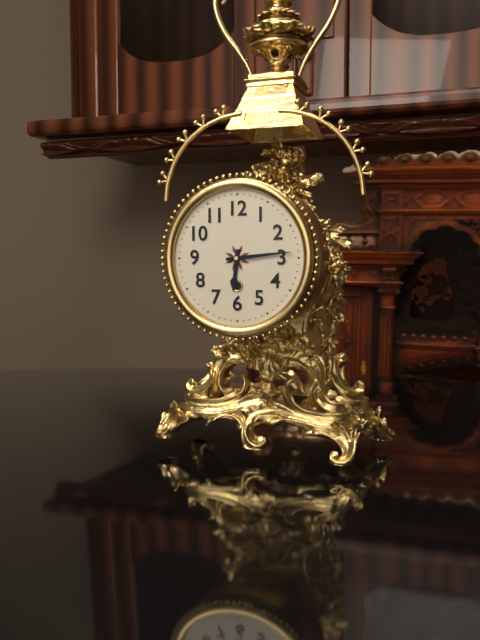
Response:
6,14
